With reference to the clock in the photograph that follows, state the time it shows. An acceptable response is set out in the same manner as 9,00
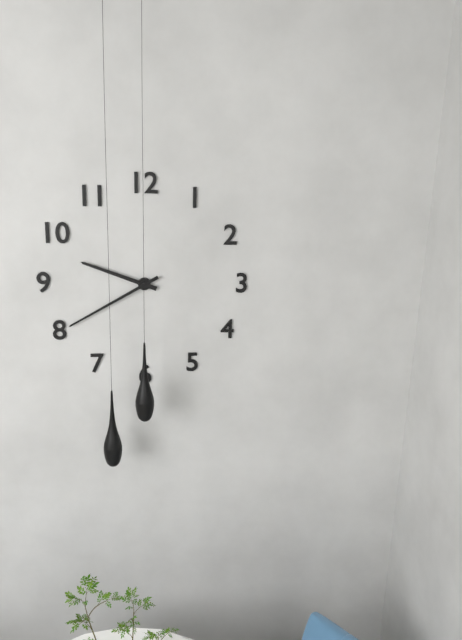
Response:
9,40
